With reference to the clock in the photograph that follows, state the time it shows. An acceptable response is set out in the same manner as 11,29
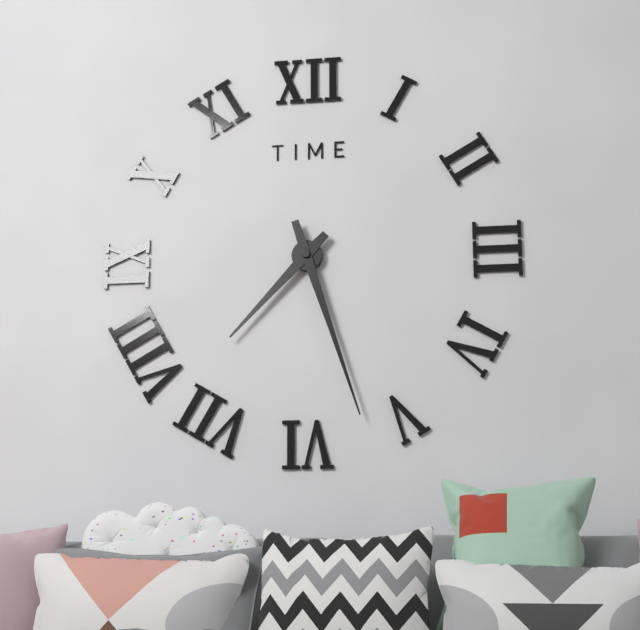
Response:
7,27
